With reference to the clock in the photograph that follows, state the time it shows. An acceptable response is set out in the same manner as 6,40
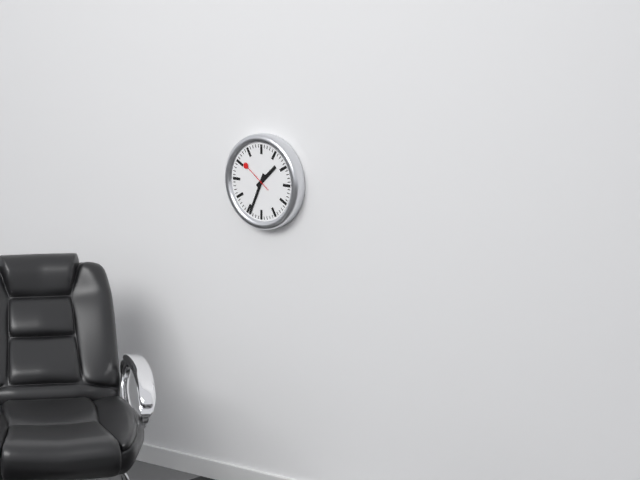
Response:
1,34
